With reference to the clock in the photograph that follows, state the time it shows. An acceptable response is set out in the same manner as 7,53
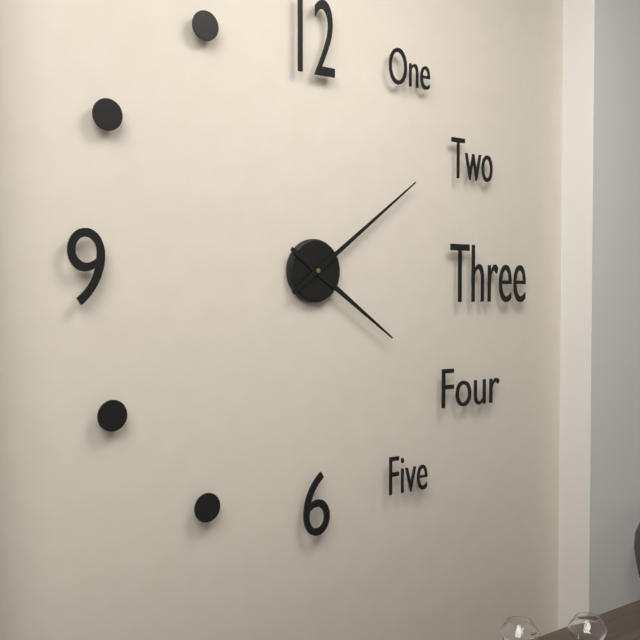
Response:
4,09
